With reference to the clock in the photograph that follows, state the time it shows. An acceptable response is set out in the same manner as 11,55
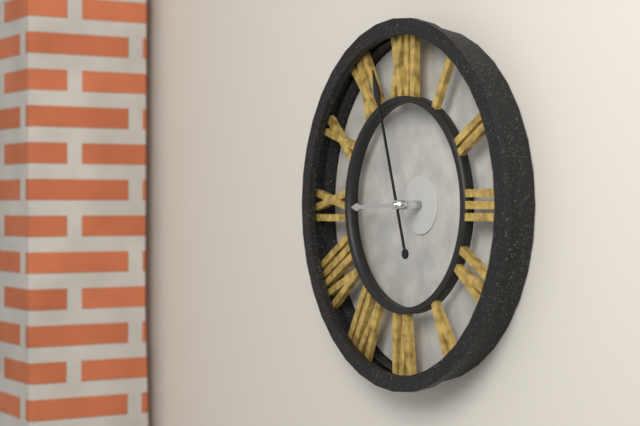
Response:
8,57
